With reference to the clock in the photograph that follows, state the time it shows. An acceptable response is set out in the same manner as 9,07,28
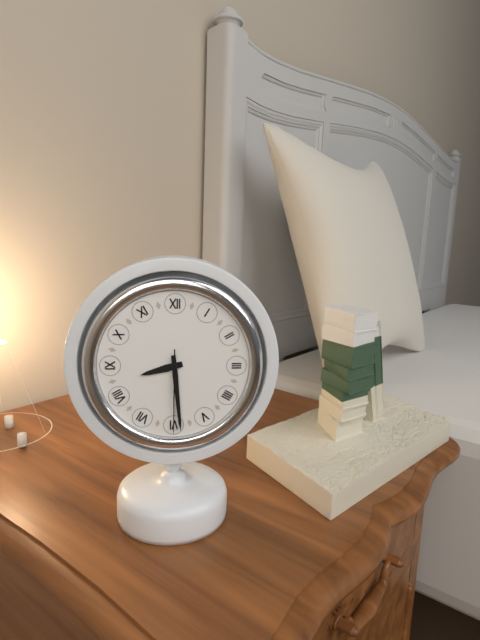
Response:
8,29,30
